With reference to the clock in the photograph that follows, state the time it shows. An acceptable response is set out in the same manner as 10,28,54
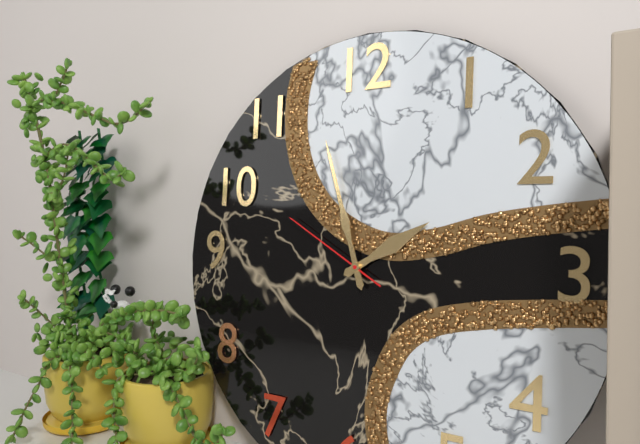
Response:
1,57,50
